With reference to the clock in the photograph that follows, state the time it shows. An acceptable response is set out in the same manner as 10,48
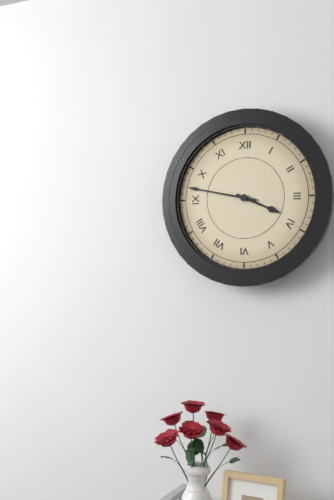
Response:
3,47
